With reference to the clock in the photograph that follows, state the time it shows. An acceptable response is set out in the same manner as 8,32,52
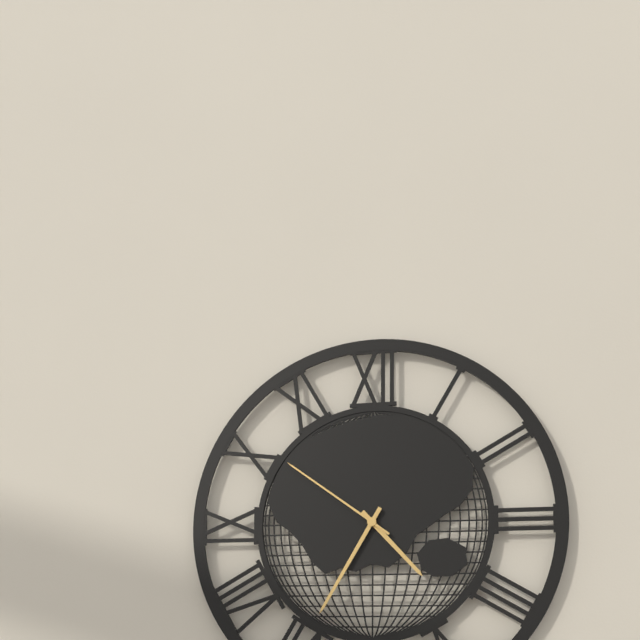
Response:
4,35,51
